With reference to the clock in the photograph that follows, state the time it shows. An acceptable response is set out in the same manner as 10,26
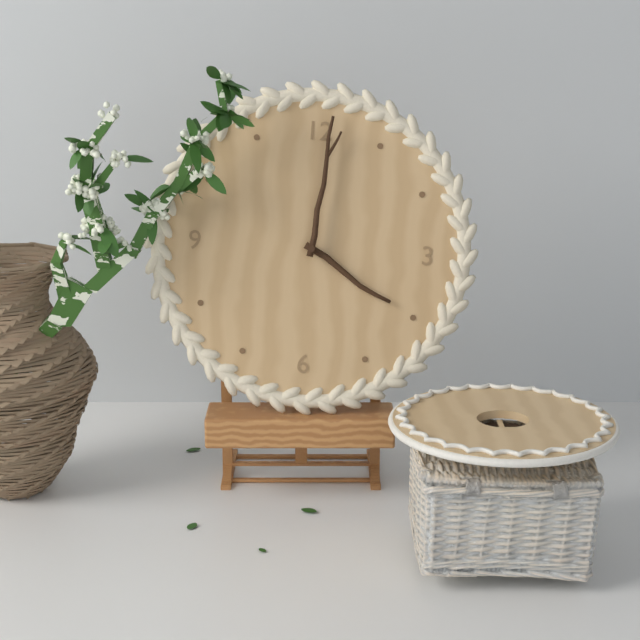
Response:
4,01
